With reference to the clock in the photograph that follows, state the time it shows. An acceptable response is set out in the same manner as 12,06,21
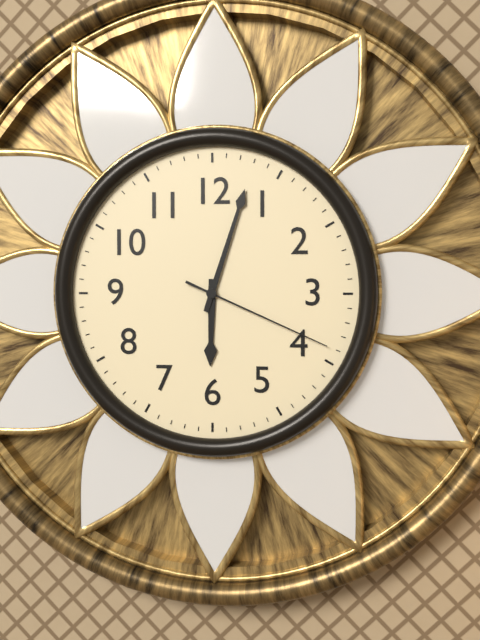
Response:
6,03,19
